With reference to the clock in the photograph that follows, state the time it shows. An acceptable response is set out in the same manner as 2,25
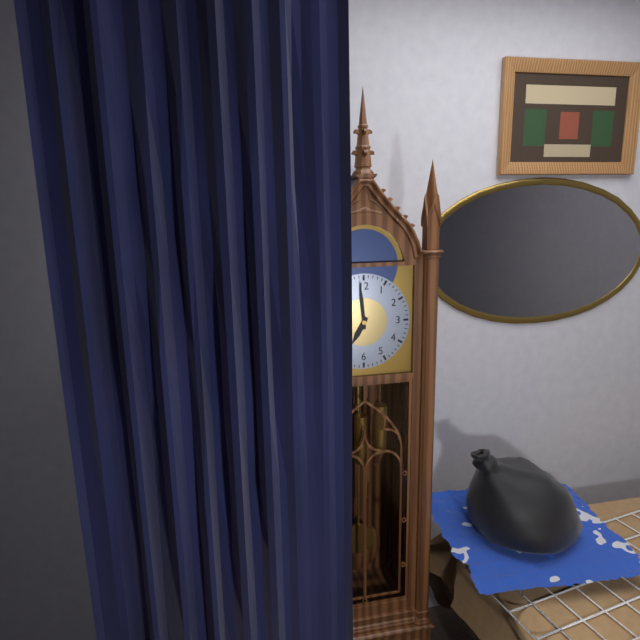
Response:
6,59
